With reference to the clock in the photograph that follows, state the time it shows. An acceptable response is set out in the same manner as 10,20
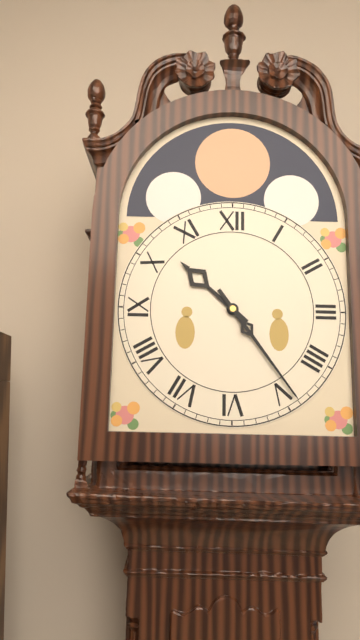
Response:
10,24
